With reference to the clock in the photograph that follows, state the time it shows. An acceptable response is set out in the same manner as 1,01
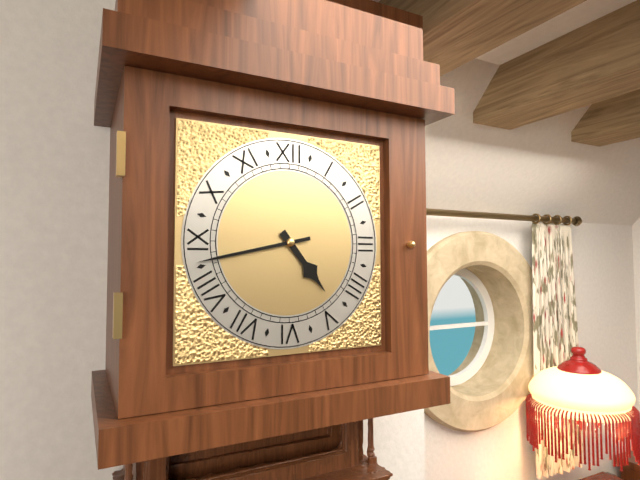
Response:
4,43
